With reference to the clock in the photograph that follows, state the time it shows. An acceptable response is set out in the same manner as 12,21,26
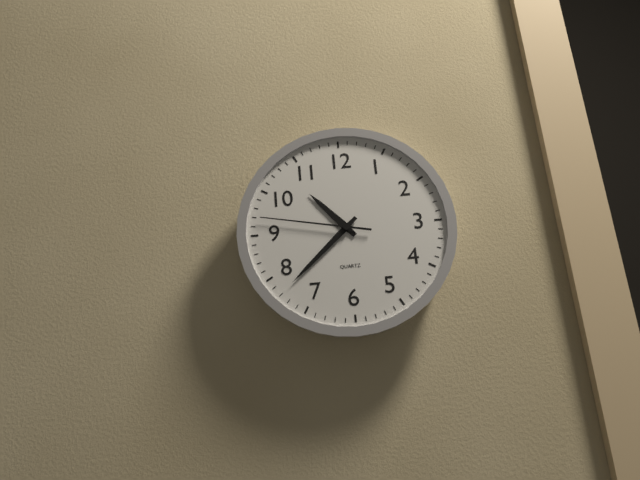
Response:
10,38,47
